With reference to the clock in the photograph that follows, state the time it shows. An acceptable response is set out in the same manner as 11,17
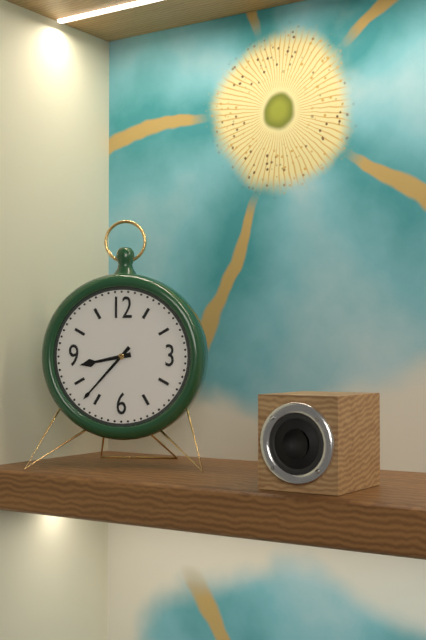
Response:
8,37
